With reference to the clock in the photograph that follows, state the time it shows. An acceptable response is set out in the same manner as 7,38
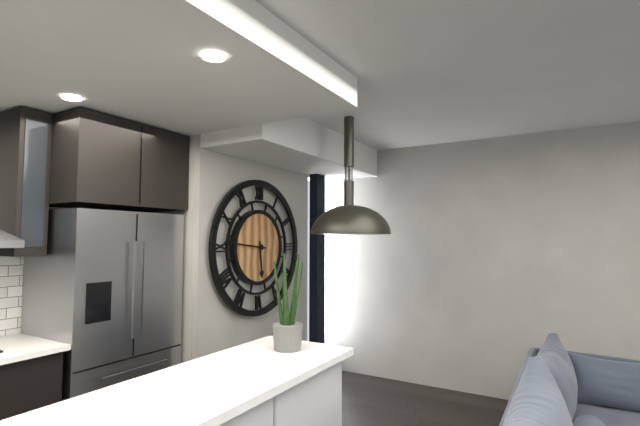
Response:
5,46
